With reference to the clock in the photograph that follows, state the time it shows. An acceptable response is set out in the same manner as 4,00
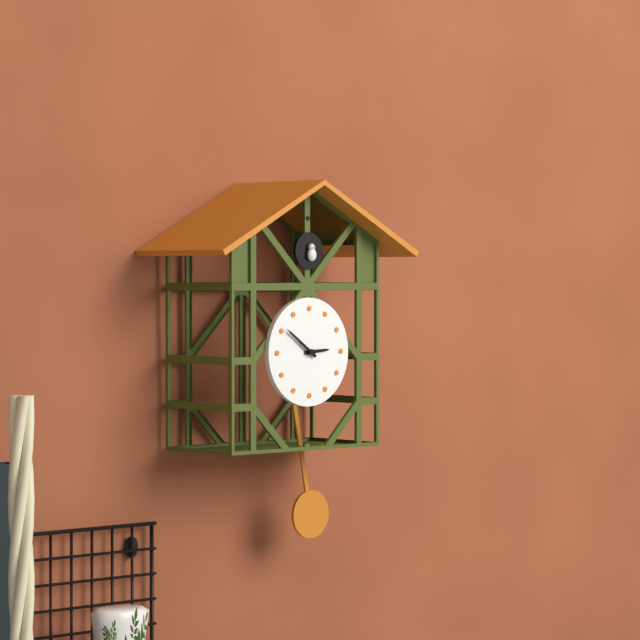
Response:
2,51
